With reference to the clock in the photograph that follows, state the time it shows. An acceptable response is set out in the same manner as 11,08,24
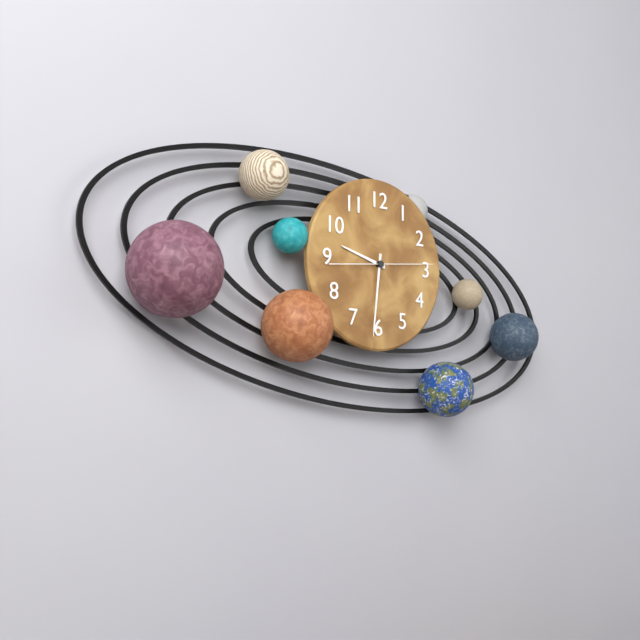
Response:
9,31,14
